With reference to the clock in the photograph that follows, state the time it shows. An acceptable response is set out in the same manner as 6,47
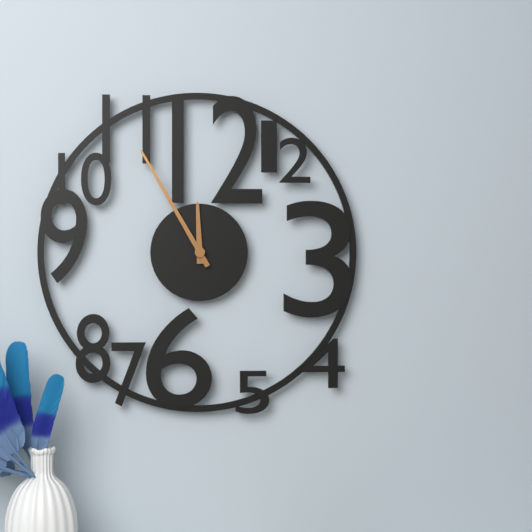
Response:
11,55
